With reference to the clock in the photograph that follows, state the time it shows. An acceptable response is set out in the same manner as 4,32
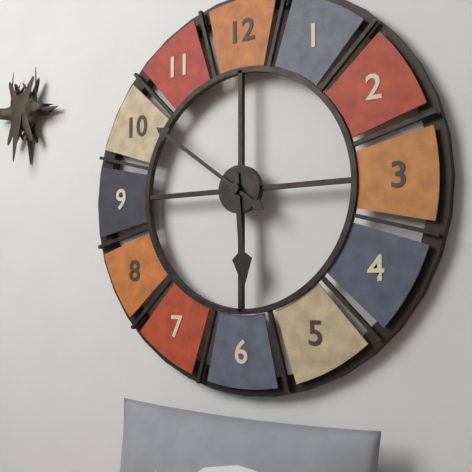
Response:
5,51
